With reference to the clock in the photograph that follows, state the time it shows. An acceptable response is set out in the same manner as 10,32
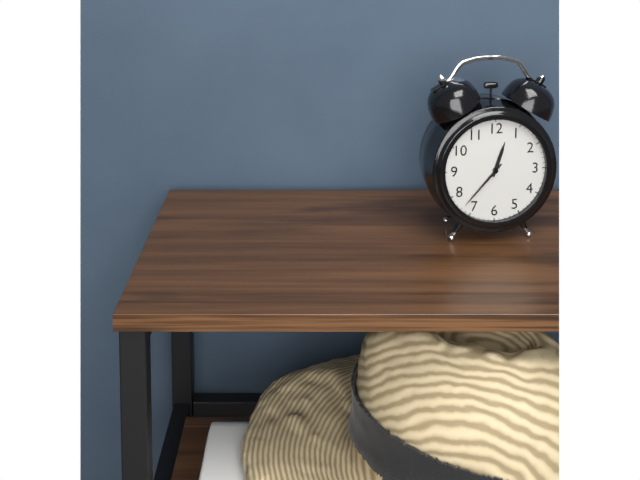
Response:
12,37
